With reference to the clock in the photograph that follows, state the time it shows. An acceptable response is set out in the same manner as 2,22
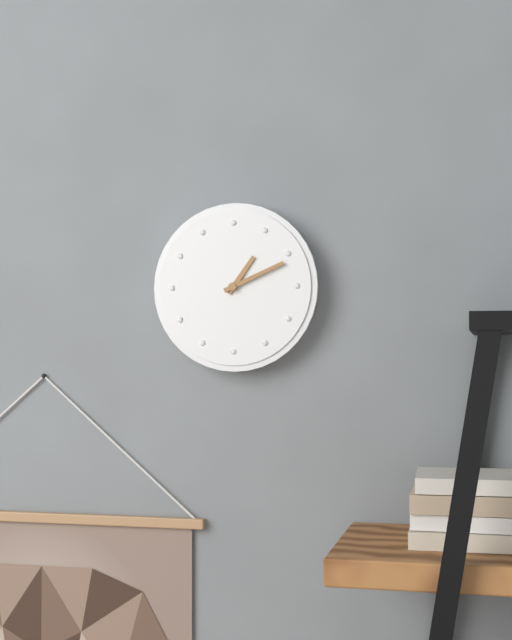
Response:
1,11
